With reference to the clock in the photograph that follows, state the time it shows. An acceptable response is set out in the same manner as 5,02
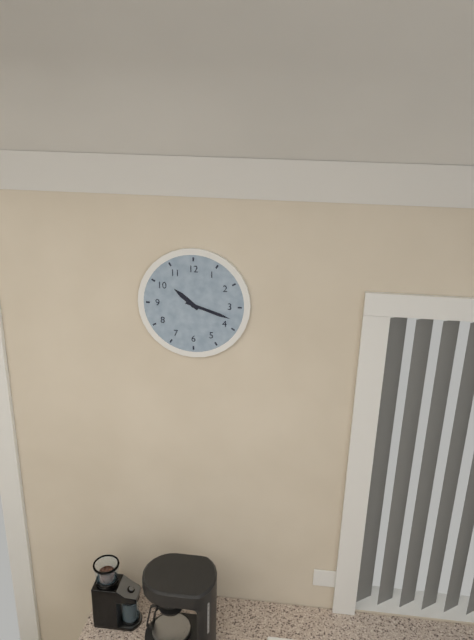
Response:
10,18
